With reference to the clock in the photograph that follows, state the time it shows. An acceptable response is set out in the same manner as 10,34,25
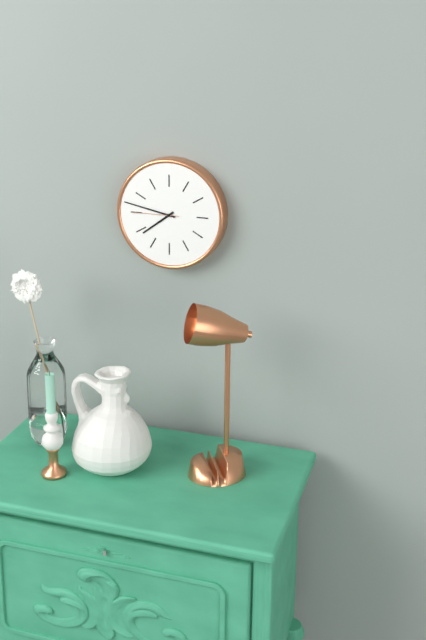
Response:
7,47,45
